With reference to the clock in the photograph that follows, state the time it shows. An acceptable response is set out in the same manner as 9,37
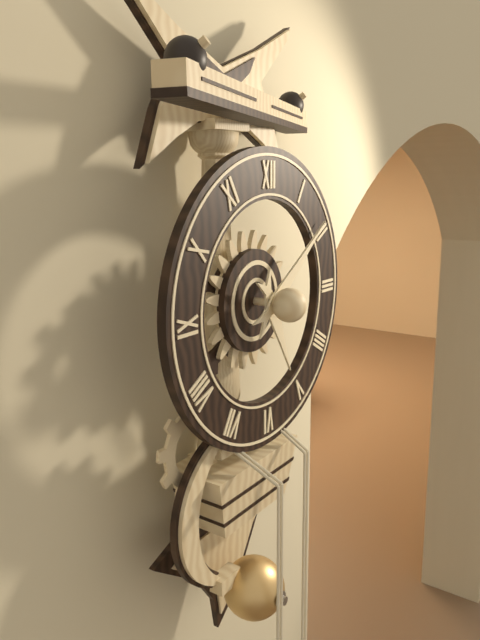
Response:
5,09
